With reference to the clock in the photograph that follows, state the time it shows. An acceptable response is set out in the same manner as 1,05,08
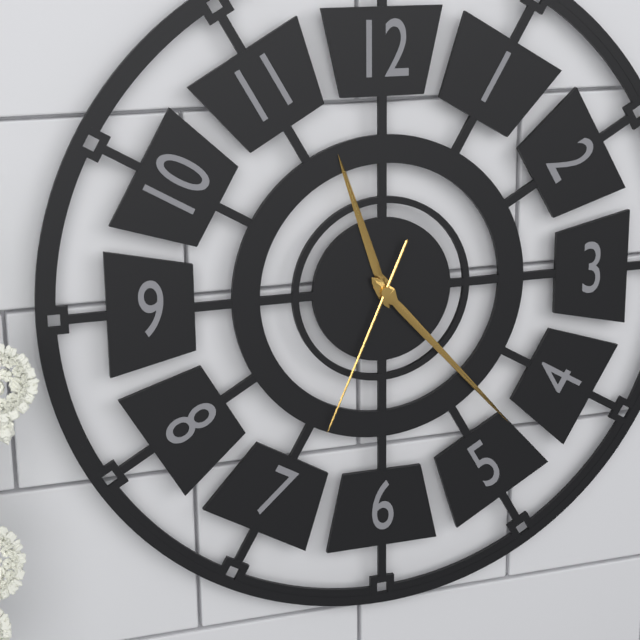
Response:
11,23,34
